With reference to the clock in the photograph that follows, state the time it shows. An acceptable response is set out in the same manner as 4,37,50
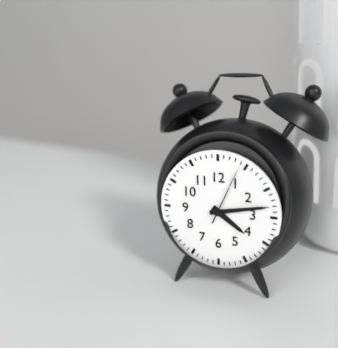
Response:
4,13,04
